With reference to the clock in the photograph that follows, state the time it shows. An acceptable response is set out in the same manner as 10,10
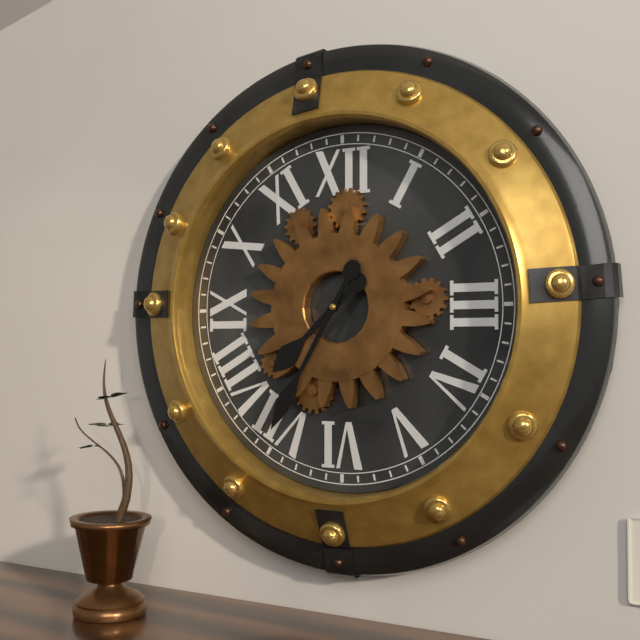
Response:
7,35
